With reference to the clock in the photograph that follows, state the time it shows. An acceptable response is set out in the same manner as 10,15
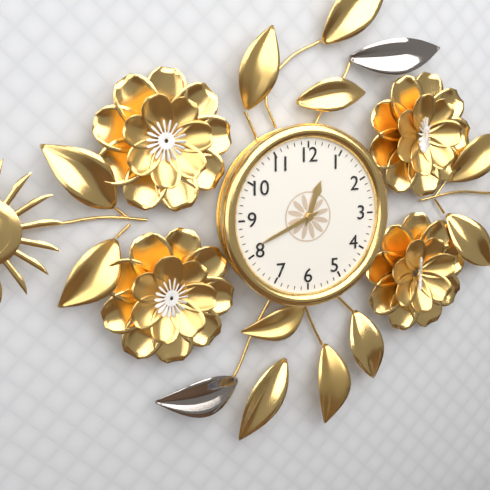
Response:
12,41
